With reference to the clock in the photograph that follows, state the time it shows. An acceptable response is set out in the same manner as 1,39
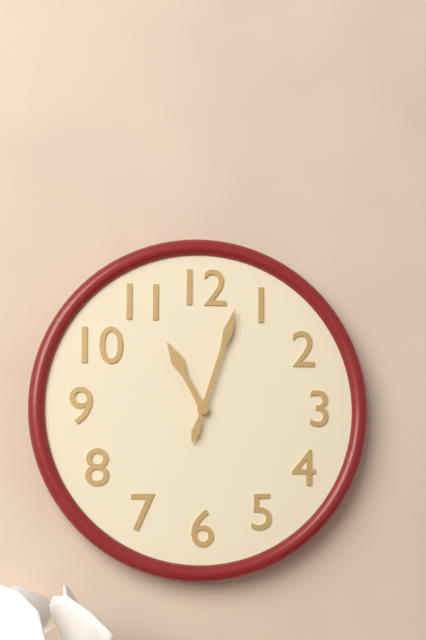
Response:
11,03
